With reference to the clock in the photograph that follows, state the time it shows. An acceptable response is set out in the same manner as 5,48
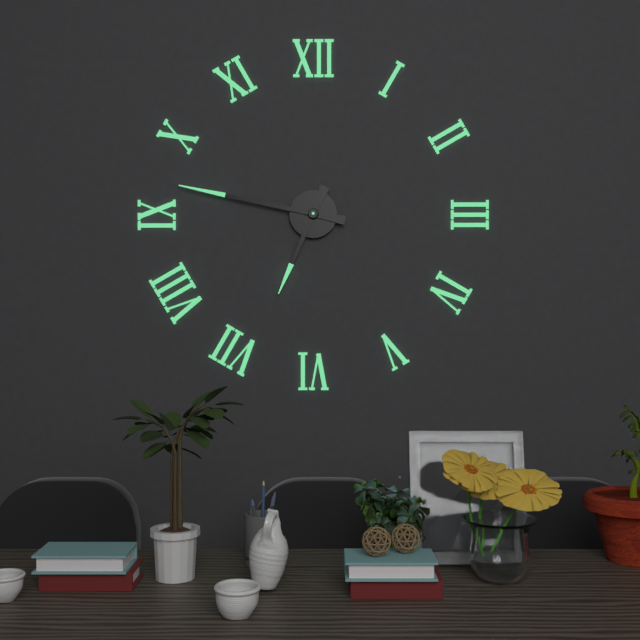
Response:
6,47
